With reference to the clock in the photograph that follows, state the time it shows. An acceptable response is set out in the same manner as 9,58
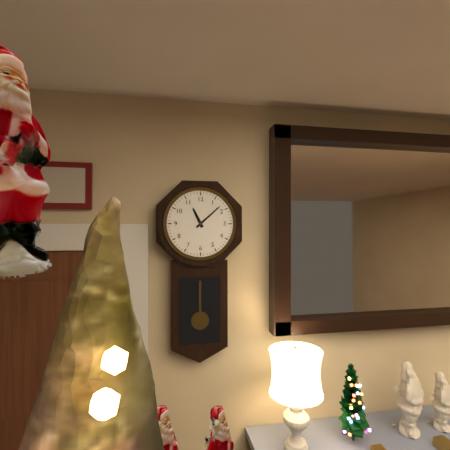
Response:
11,08
